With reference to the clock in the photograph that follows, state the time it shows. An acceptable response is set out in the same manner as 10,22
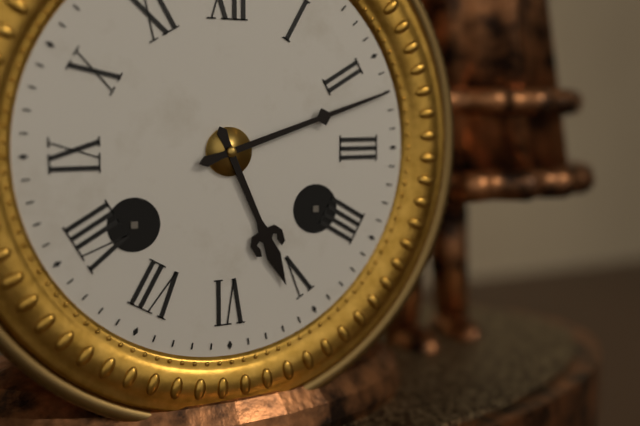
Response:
5,12
